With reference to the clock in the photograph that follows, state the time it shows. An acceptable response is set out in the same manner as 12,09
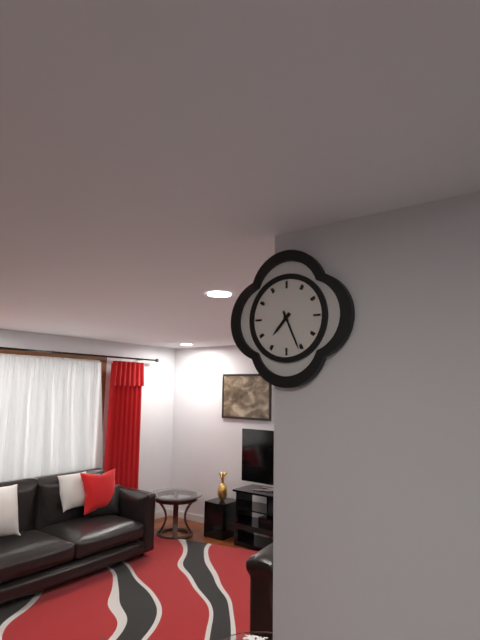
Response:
7,26
